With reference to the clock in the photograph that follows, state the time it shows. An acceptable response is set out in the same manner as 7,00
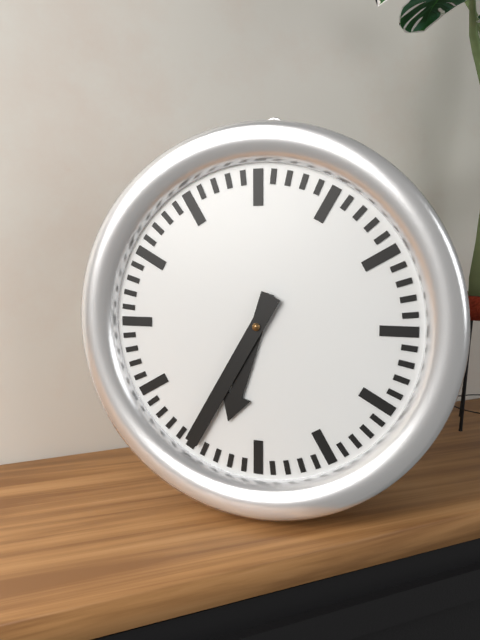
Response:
6,35
